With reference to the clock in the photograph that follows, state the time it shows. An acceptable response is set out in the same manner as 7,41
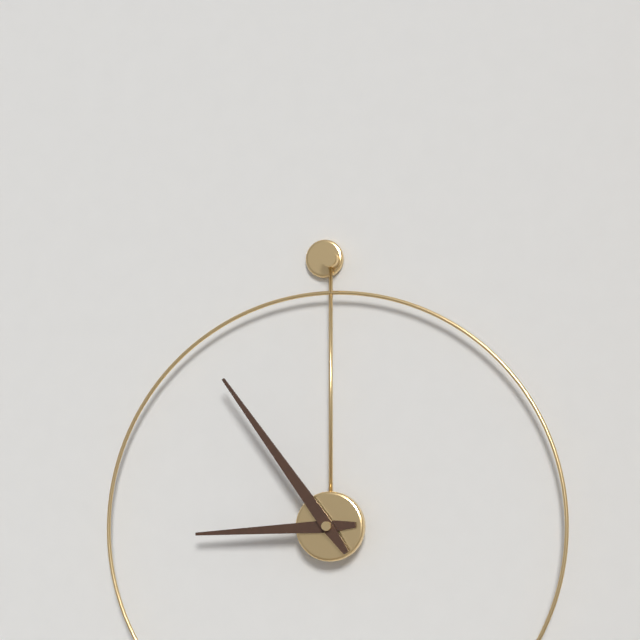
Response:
8,54
